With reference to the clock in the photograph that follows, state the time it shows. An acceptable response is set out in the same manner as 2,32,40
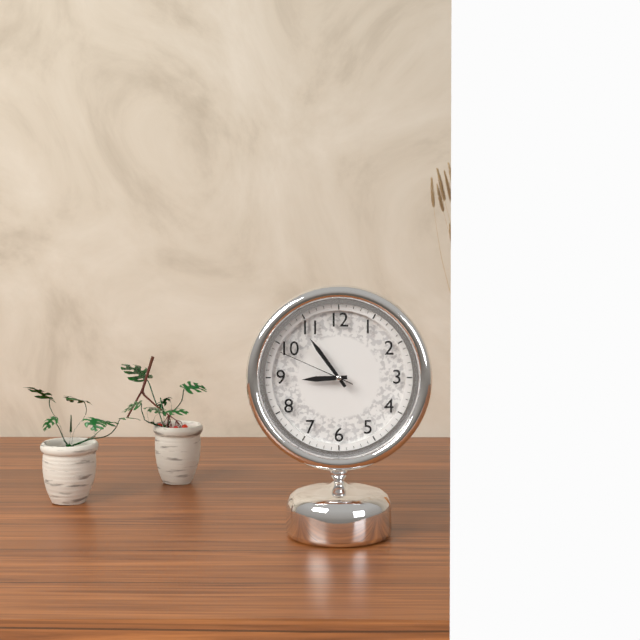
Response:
8,54,49
